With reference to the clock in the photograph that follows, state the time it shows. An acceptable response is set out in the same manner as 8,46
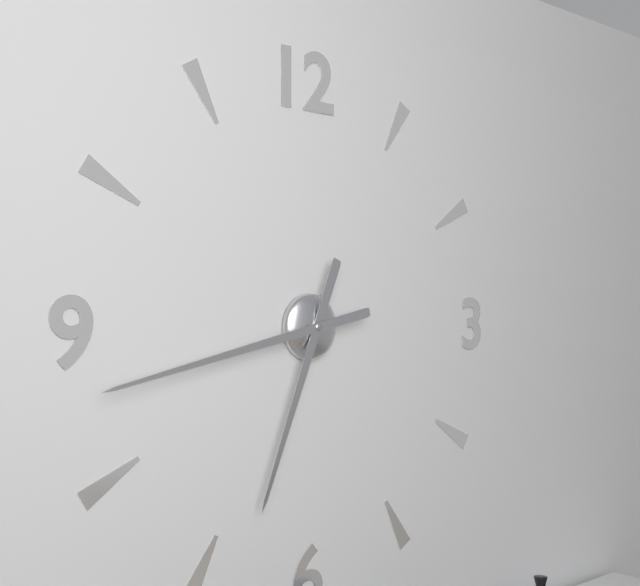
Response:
6,43
